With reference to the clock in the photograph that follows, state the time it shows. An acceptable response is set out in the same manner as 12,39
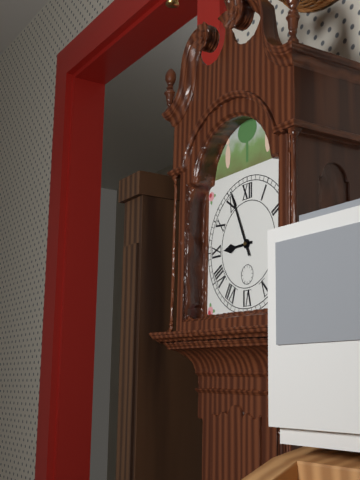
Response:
8,56
